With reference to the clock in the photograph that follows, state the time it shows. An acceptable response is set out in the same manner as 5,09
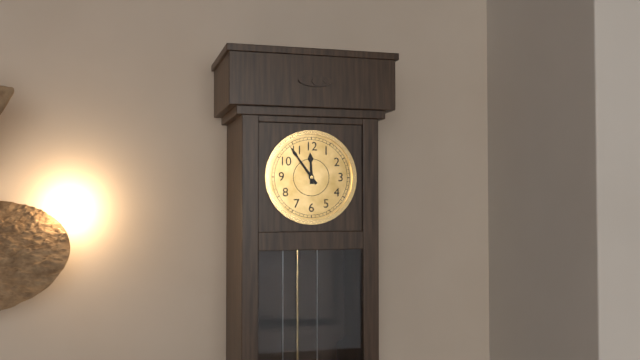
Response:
11,54
